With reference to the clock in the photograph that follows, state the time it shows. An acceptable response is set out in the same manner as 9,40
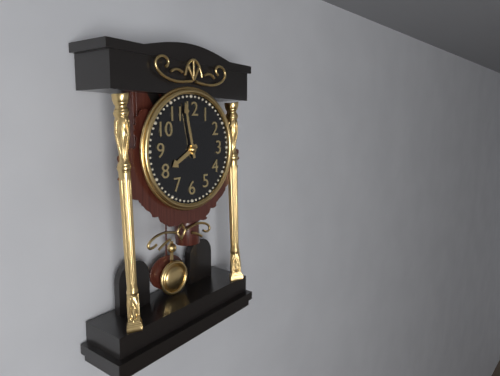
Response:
7,58
